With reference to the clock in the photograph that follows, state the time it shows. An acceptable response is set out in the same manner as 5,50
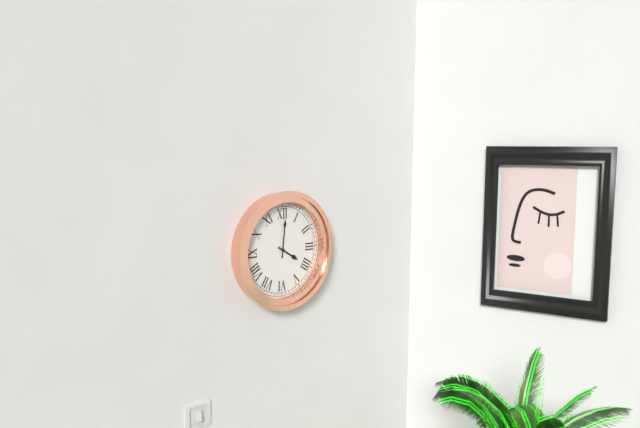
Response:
4,01
